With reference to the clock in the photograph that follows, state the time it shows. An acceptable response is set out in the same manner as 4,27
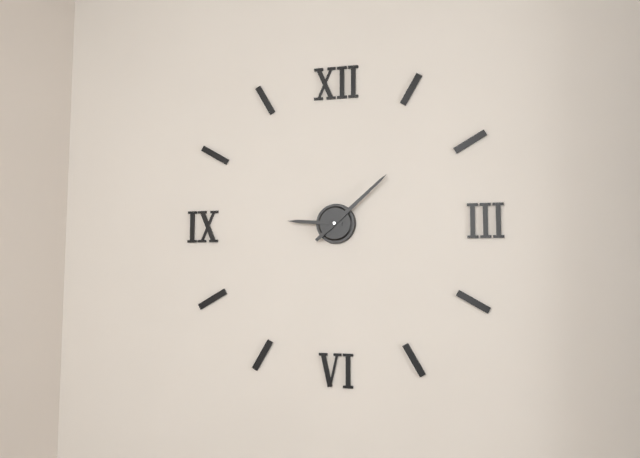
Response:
9,08
